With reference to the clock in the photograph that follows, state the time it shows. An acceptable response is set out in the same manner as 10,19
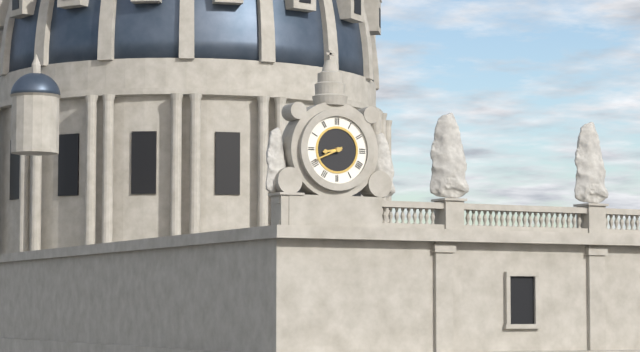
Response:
8,41
